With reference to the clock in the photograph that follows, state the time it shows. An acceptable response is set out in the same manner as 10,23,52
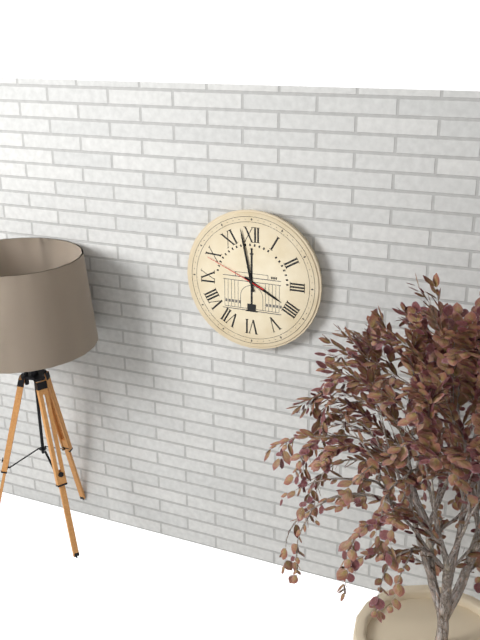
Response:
3,58,49
